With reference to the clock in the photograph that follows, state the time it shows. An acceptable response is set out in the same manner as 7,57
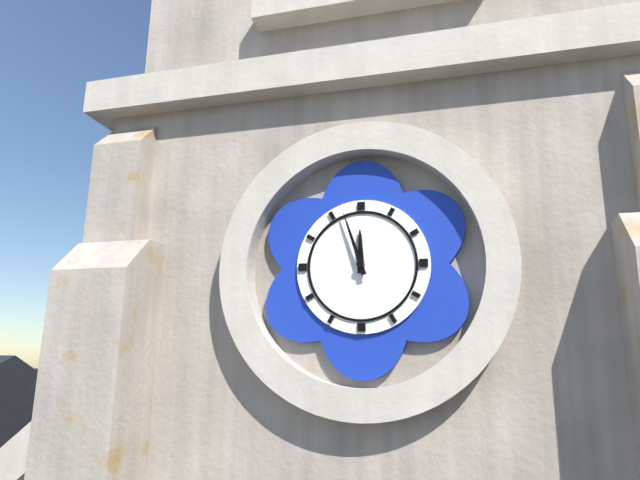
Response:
11,57
